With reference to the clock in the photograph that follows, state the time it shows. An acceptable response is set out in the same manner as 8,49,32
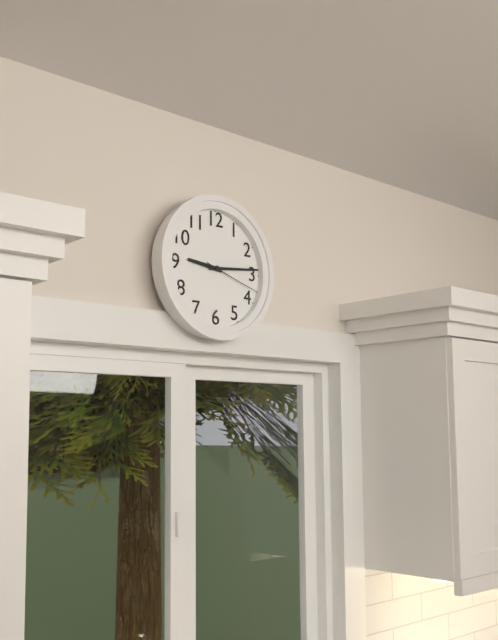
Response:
9,14,18
